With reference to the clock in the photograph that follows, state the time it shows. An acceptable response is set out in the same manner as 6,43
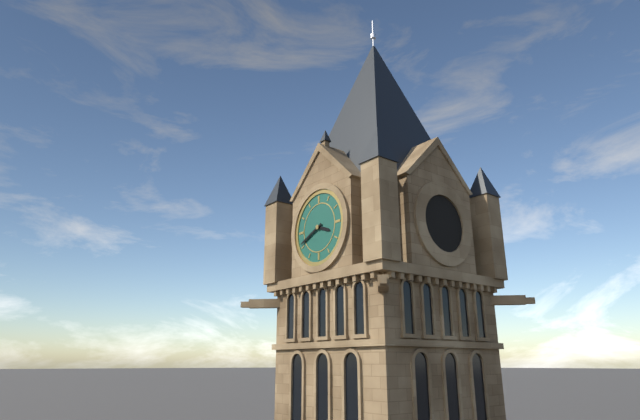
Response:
3,41
